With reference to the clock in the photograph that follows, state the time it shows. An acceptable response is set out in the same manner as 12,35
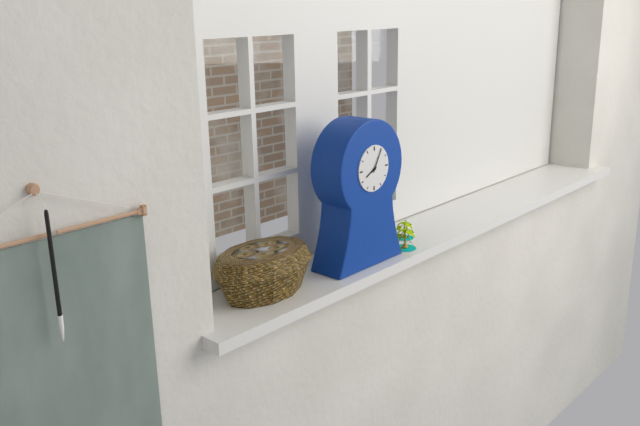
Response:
8,05
